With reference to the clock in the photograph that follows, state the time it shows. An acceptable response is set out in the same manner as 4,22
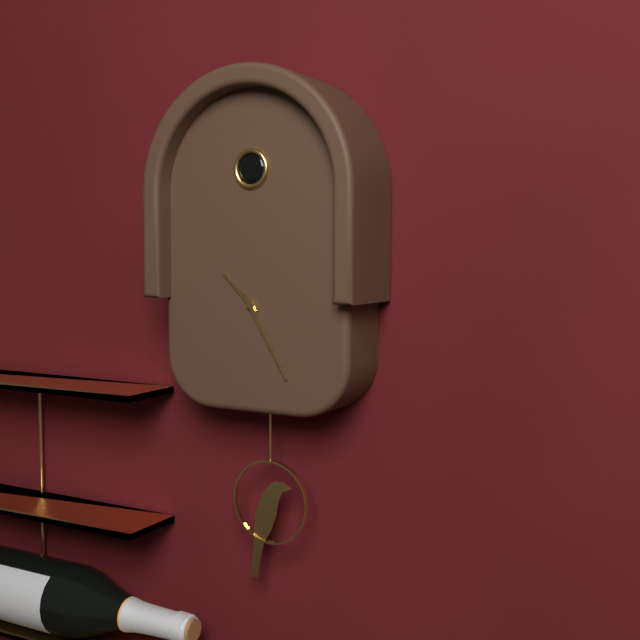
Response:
10,25
